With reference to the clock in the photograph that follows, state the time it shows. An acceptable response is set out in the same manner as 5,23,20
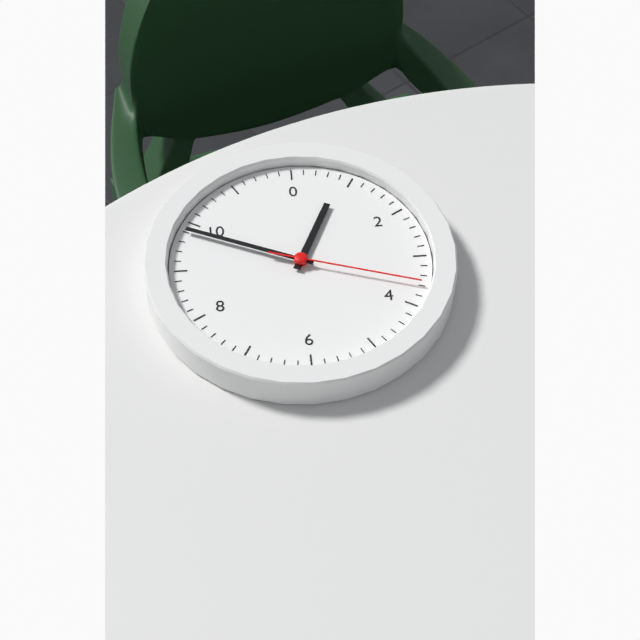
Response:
12,49,18
